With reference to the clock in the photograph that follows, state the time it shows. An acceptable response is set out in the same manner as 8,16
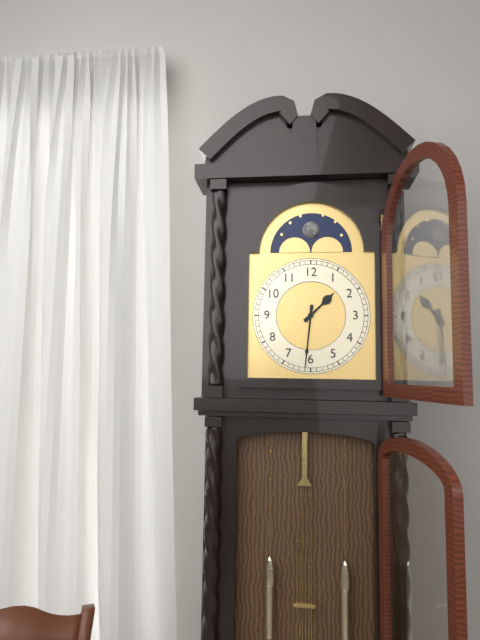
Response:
1,31
